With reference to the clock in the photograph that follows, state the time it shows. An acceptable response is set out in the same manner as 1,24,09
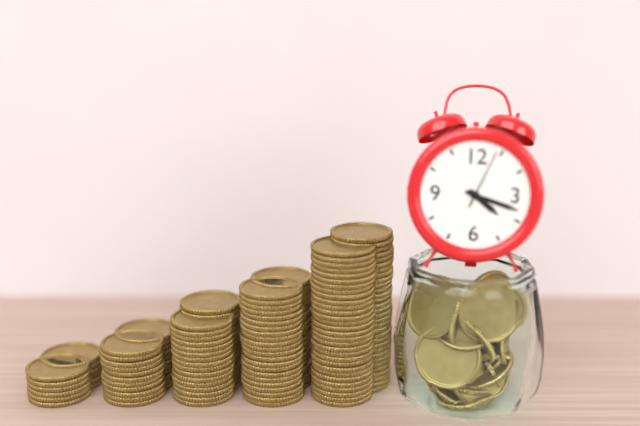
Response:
4,18,04
